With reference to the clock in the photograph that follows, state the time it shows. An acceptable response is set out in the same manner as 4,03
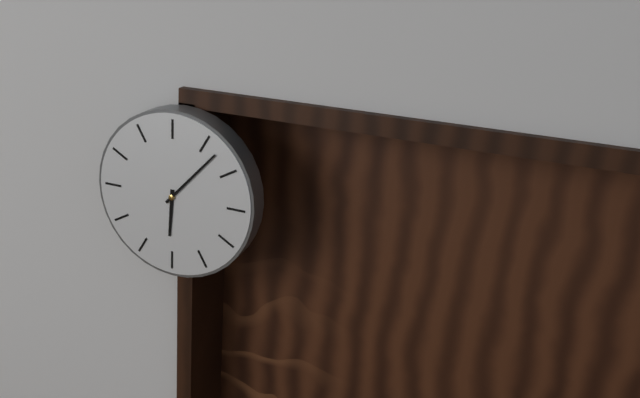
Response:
6,07
